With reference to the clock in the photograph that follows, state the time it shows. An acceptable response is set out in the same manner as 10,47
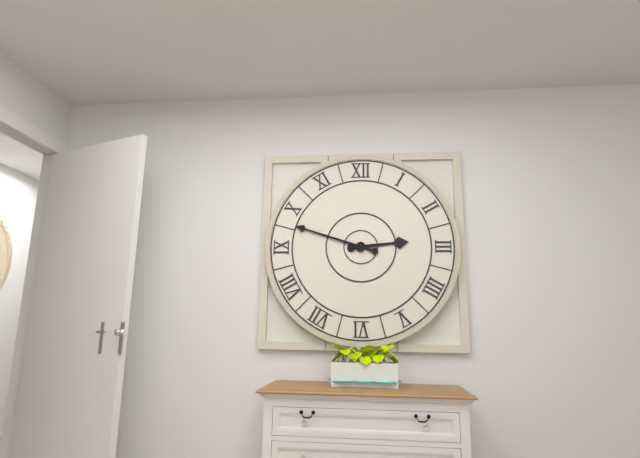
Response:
2,48
